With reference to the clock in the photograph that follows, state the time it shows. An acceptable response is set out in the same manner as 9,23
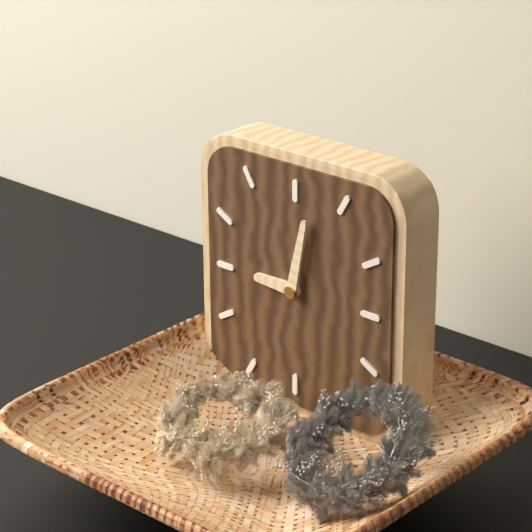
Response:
9,02
